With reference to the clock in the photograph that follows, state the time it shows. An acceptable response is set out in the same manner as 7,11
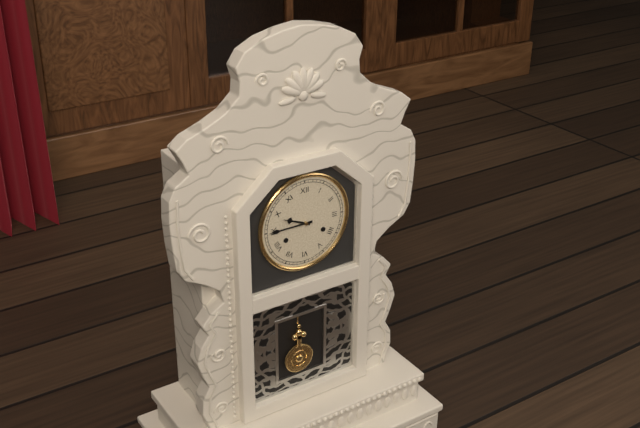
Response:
9,45
